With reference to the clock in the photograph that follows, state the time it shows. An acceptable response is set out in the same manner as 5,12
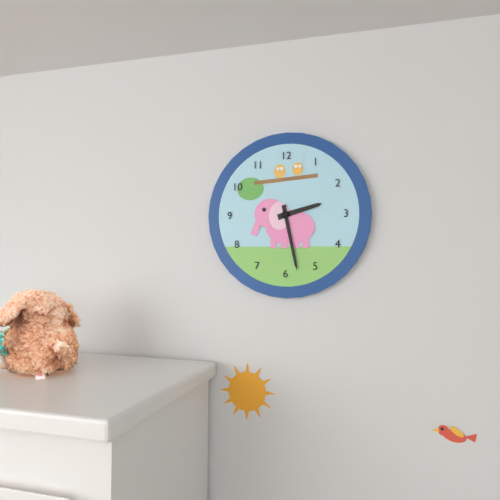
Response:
2,28
